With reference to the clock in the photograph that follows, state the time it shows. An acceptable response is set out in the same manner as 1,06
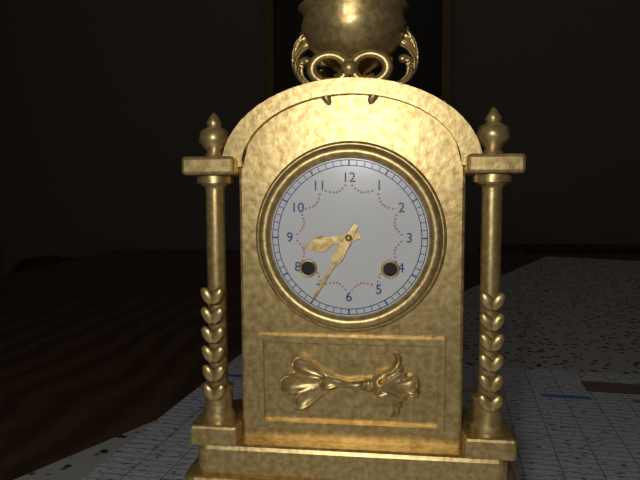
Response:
8,35
